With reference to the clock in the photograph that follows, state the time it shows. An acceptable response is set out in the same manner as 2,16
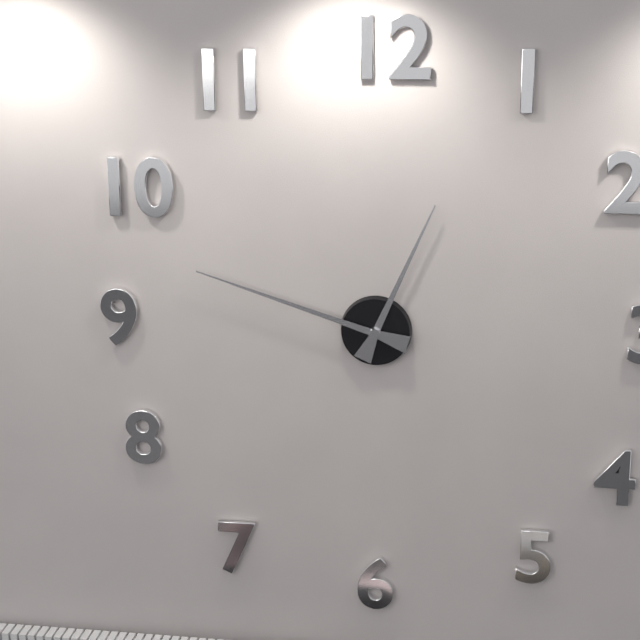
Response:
12,48
